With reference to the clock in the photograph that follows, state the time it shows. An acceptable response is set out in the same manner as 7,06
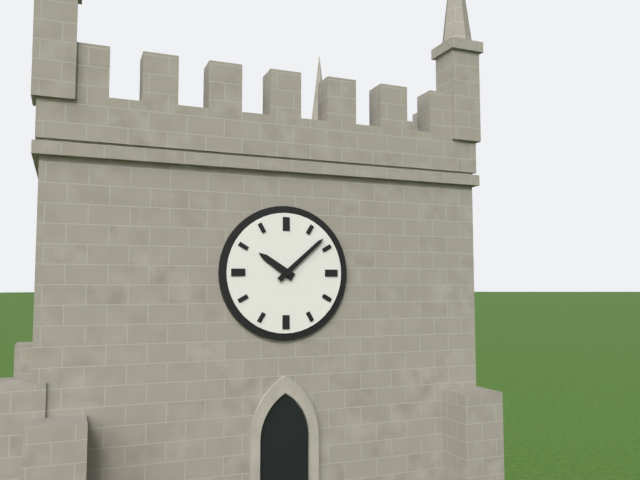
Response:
10,08
